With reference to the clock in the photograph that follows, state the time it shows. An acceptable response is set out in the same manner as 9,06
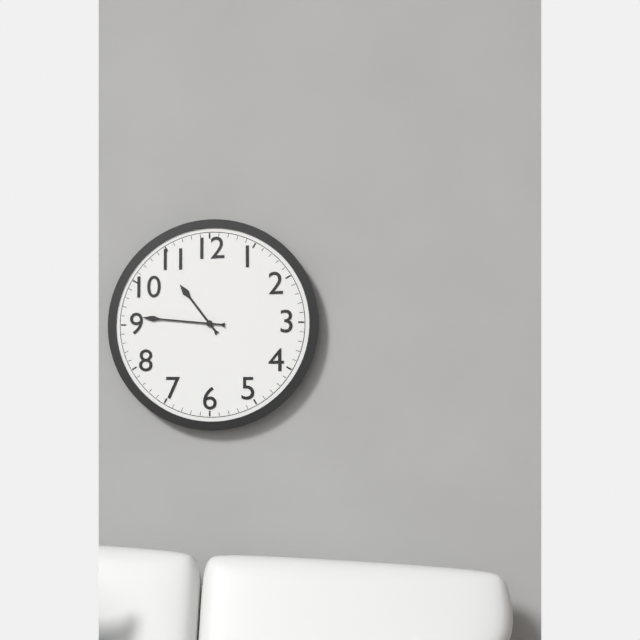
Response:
10,46
